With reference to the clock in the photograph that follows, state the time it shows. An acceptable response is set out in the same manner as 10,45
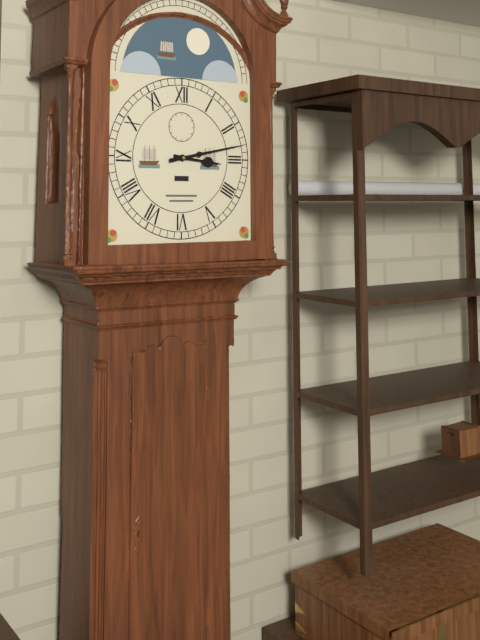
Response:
3,13
